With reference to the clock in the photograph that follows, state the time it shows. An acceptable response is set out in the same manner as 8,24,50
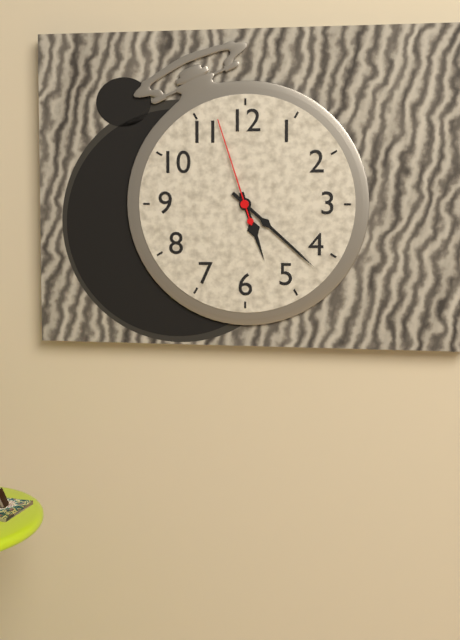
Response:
5,22,57
